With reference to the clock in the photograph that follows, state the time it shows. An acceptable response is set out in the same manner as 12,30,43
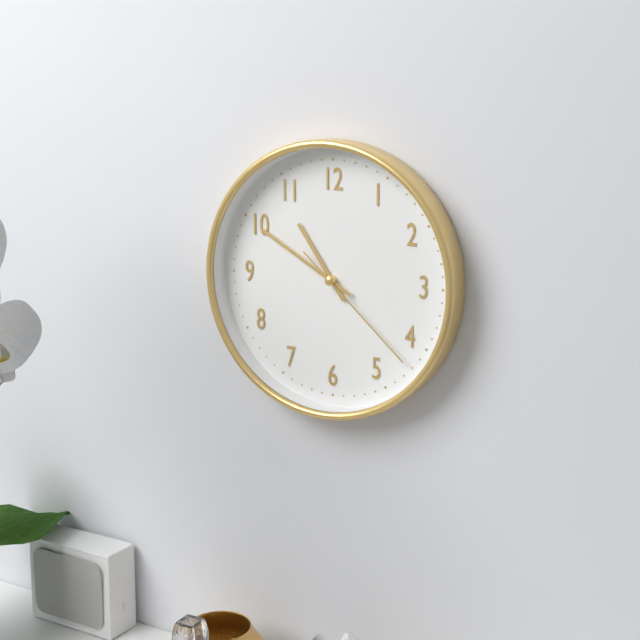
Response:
10,50,22
